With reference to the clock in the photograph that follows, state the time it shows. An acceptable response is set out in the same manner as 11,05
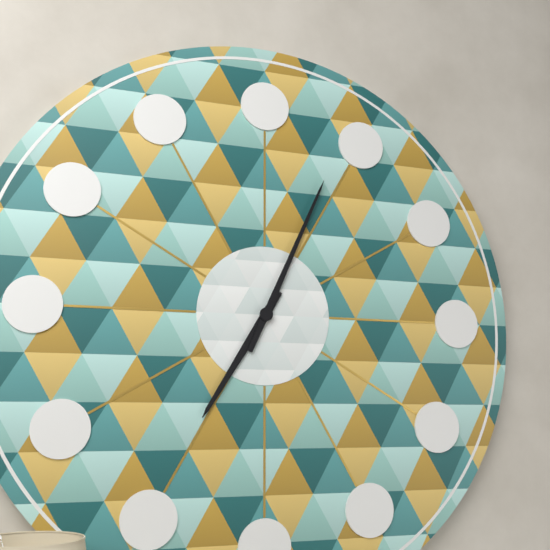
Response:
7,04
